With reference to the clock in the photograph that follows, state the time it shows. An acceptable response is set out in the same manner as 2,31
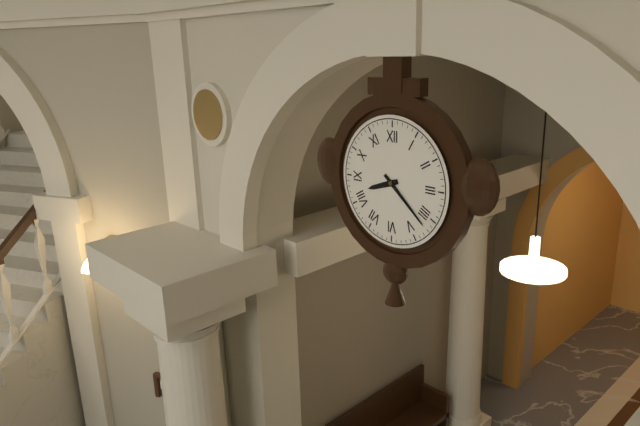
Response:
8,22
